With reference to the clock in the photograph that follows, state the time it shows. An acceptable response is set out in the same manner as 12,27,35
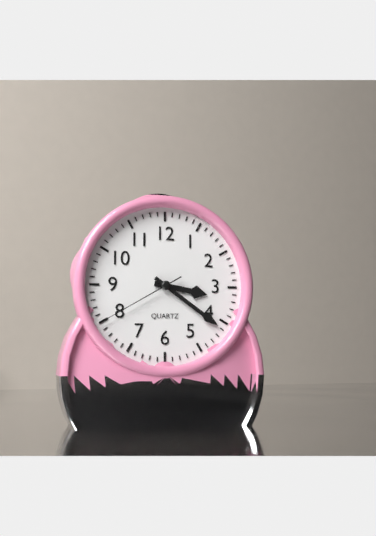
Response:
3,21,40
